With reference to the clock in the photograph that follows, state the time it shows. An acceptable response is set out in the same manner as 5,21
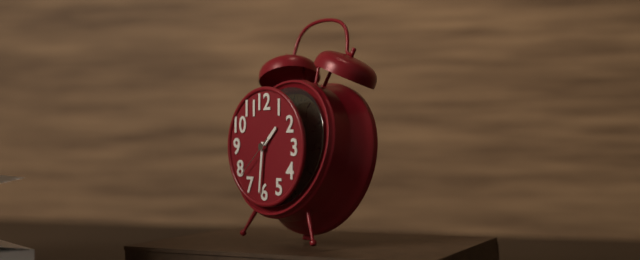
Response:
1,31
